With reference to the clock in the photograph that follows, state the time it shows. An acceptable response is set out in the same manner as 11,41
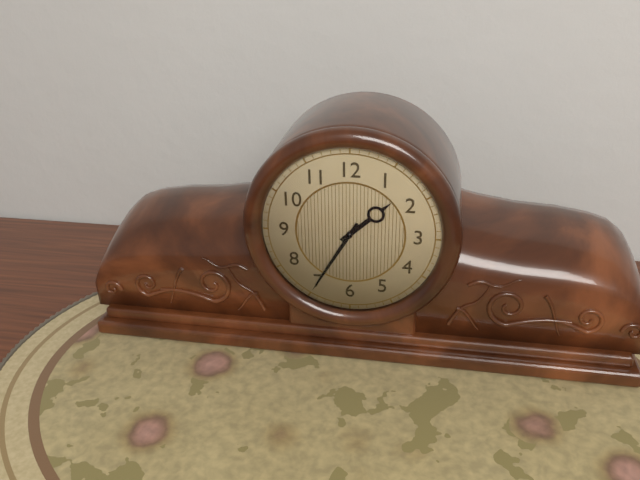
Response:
1,35
